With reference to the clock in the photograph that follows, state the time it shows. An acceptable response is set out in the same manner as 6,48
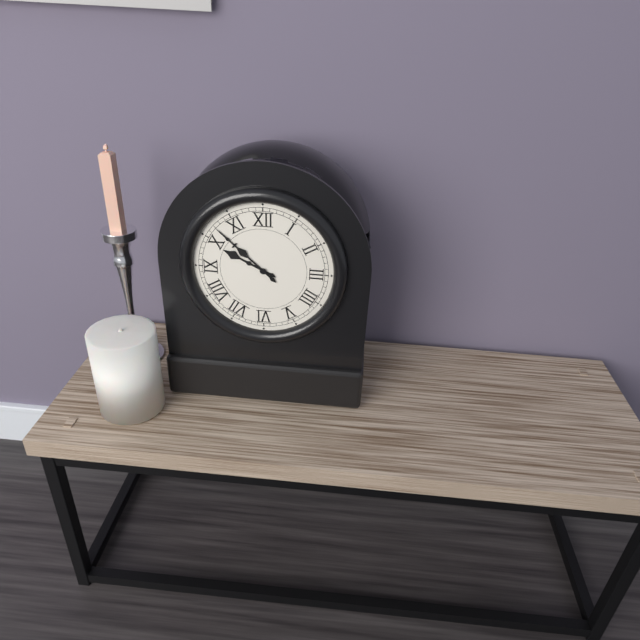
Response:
9,52
